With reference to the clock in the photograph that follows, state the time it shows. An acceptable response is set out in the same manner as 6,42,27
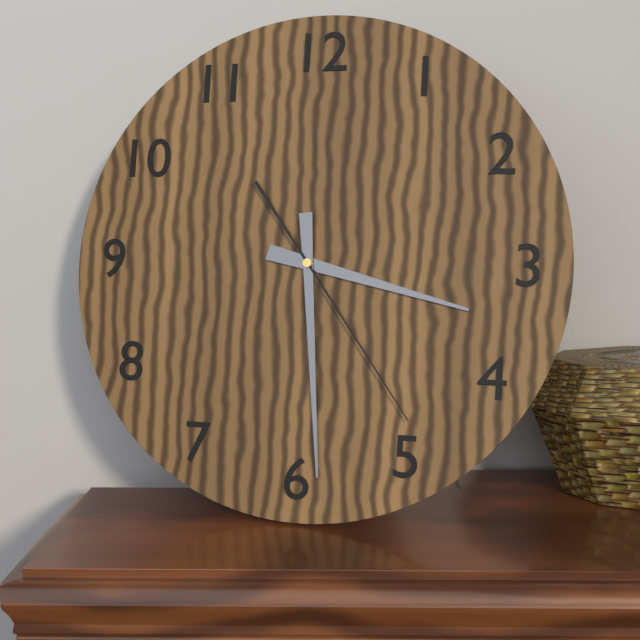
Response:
3,29,24
